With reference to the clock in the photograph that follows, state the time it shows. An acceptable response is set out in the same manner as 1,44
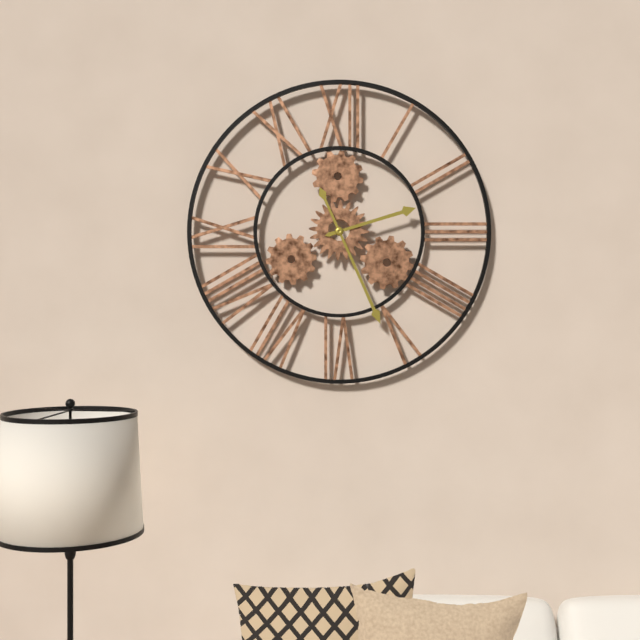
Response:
2,26
